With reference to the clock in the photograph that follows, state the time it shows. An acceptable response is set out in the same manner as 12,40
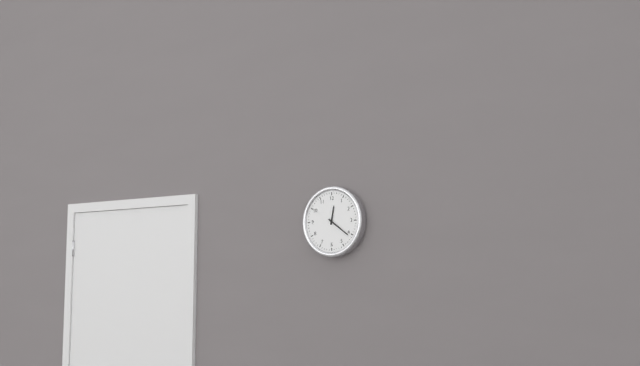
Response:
12,21
